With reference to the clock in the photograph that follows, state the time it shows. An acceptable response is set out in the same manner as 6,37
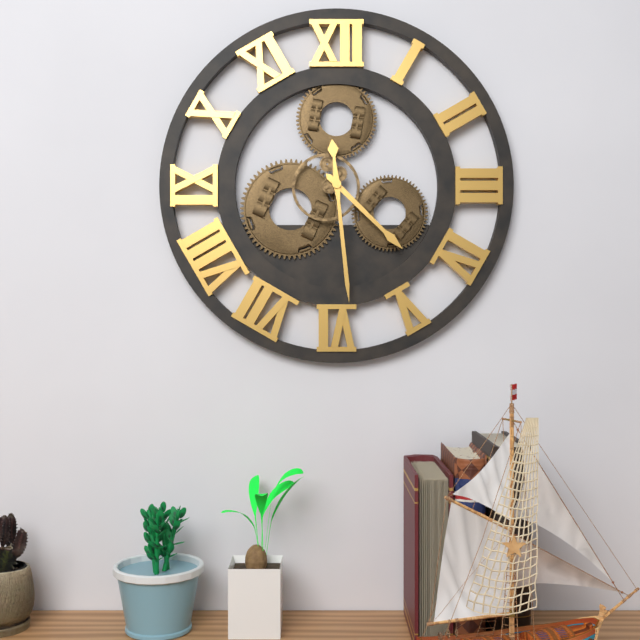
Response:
4,29
